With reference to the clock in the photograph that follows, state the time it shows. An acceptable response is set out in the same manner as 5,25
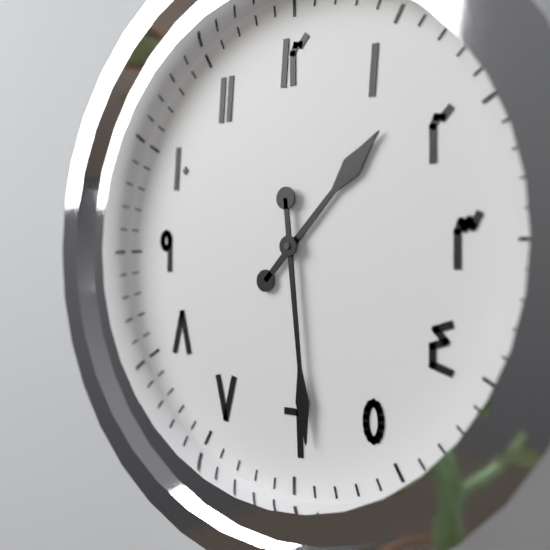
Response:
1,29
